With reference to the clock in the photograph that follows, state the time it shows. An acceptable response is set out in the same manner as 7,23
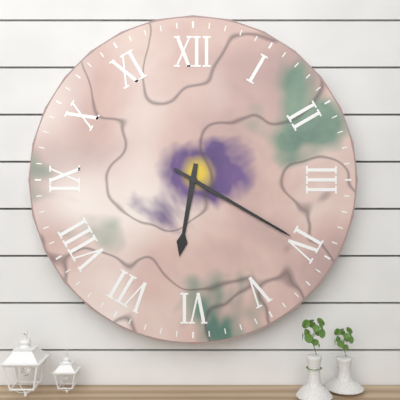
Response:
6,20
